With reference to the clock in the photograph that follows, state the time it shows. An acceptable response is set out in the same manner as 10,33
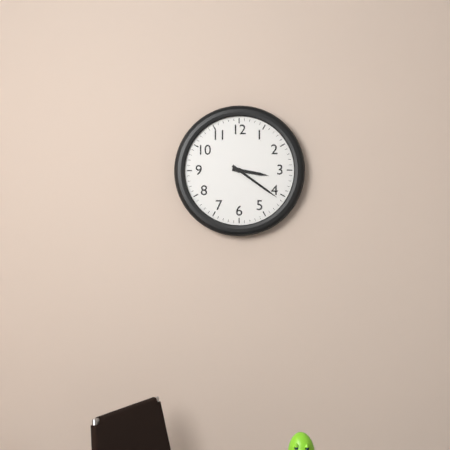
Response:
3,21
